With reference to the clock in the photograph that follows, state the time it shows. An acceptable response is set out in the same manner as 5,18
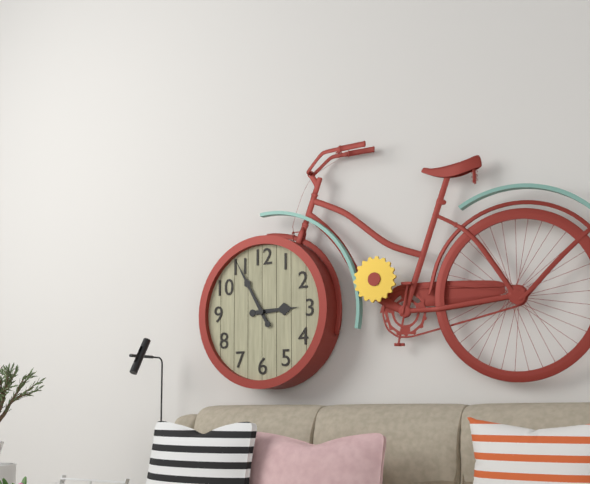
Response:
2,55
